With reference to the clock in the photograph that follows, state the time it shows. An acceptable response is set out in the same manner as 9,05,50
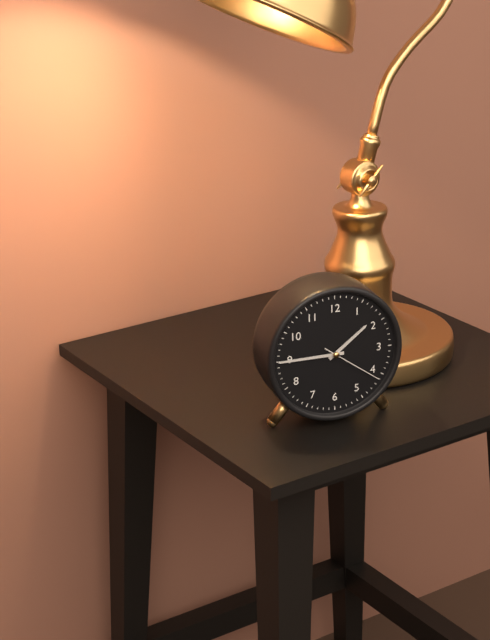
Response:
1,45,21
